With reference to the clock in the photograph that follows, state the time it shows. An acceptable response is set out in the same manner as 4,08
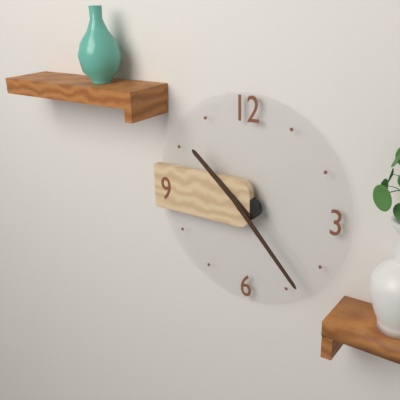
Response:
10,23
